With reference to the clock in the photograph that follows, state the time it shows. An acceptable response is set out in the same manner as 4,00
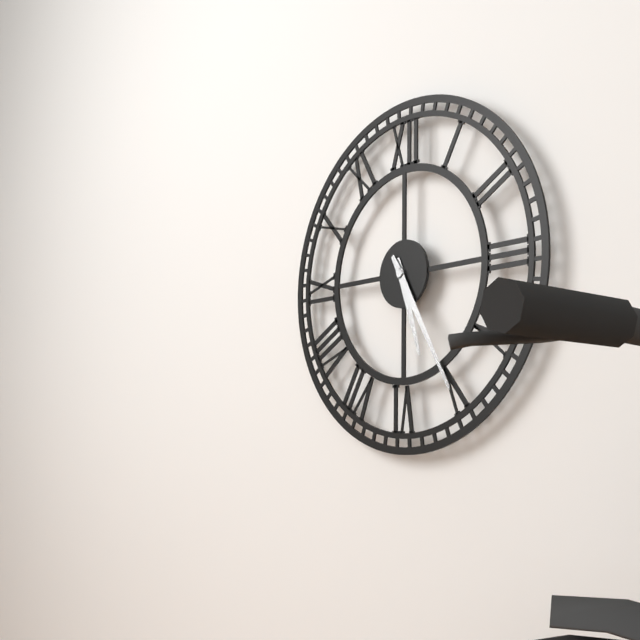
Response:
5,25
